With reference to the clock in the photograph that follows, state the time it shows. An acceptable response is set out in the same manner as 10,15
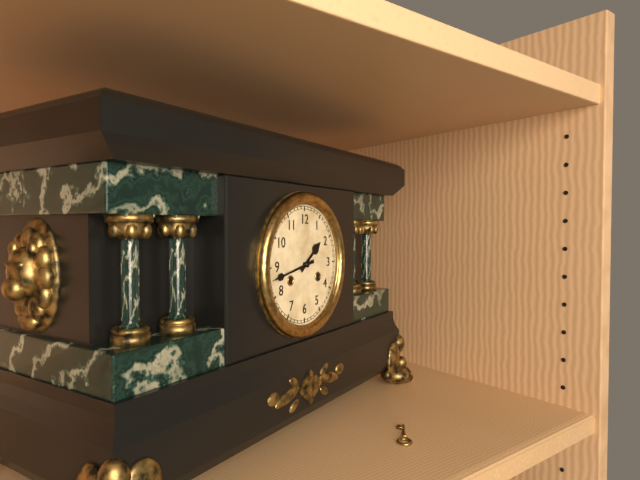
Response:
1,43
